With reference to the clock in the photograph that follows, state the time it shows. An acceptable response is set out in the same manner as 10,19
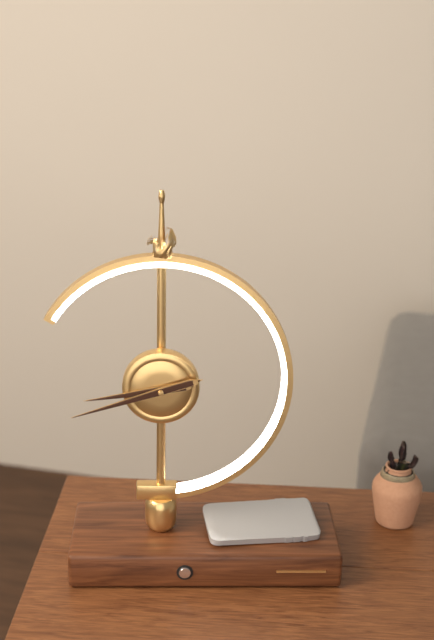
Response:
8,42
